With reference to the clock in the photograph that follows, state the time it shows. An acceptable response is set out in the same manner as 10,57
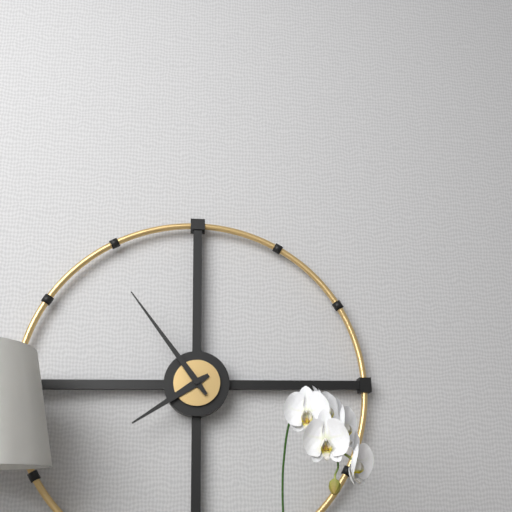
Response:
7,54
